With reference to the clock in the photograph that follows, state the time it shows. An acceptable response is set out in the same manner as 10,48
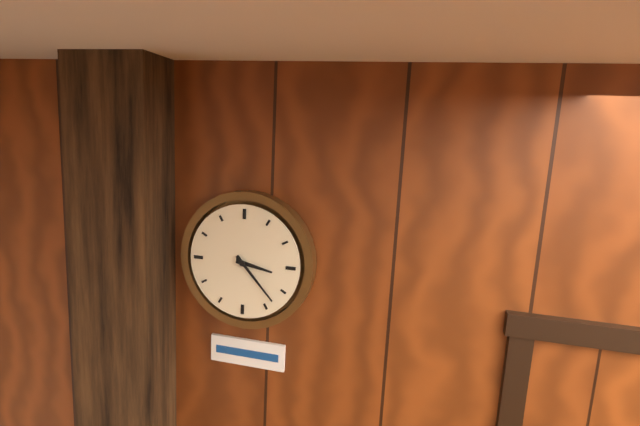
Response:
3,23
